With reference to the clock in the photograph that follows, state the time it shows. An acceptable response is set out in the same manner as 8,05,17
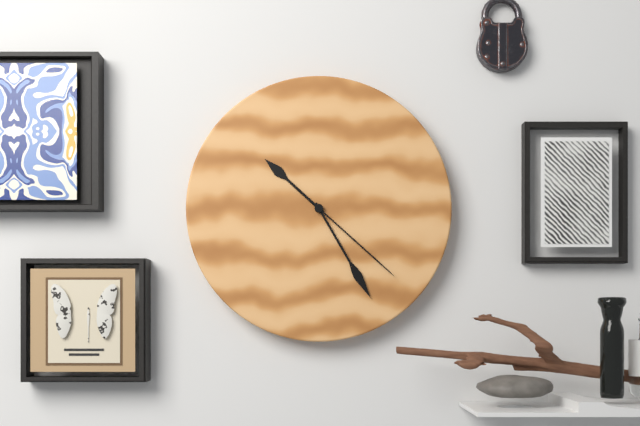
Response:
10,25,22
